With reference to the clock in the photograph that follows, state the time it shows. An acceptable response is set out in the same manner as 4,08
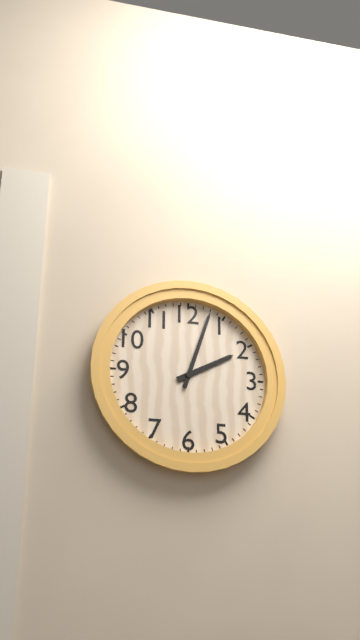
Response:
2,03
